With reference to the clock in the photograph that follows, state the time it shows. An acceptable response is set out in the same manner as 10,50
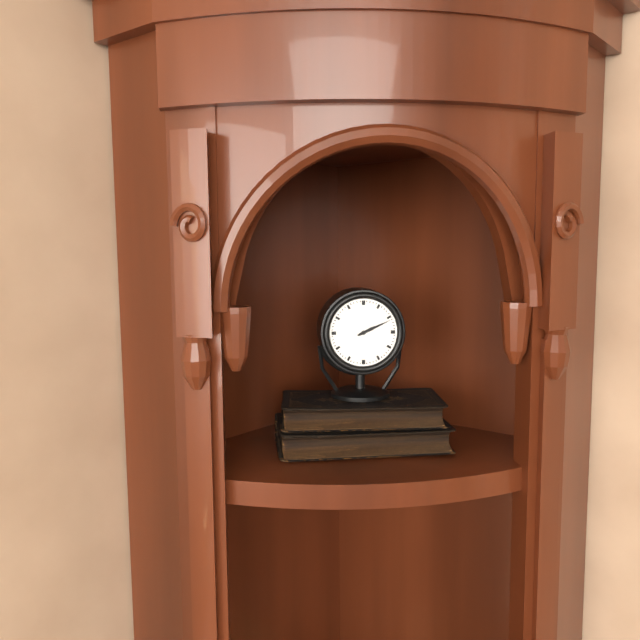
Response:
2,11
